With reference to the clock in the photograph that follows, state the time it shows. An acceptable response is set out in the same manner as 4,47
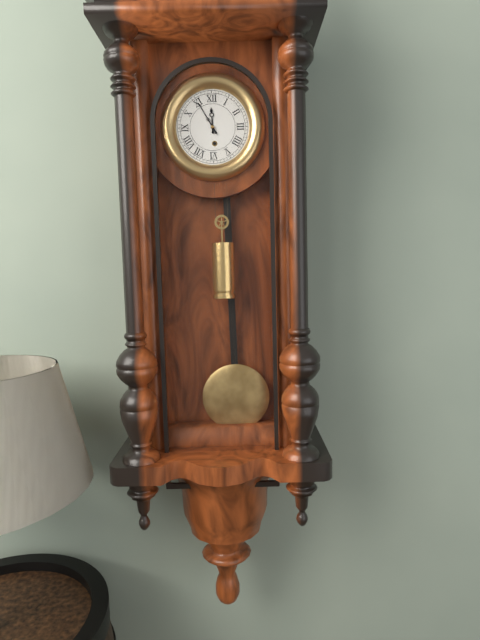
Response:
11,55
